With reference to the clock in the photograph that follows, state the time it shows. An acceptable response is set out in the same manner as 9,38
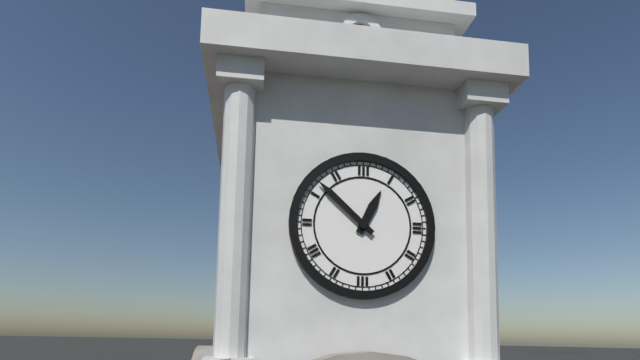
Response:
12,52
